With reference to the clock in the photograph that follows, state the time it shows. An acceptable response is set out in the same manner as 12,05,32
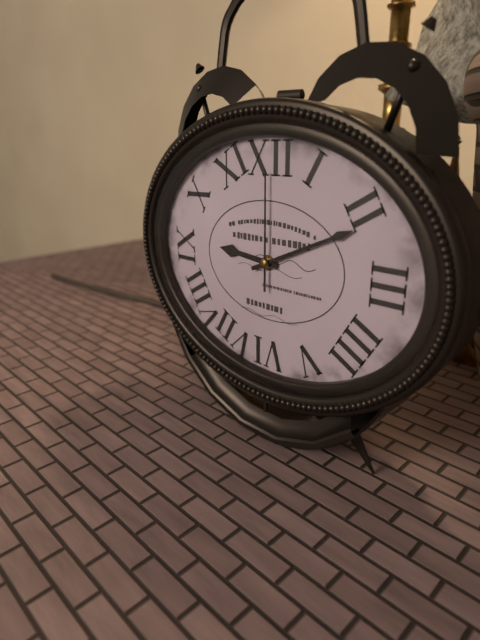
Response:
9,11,00
